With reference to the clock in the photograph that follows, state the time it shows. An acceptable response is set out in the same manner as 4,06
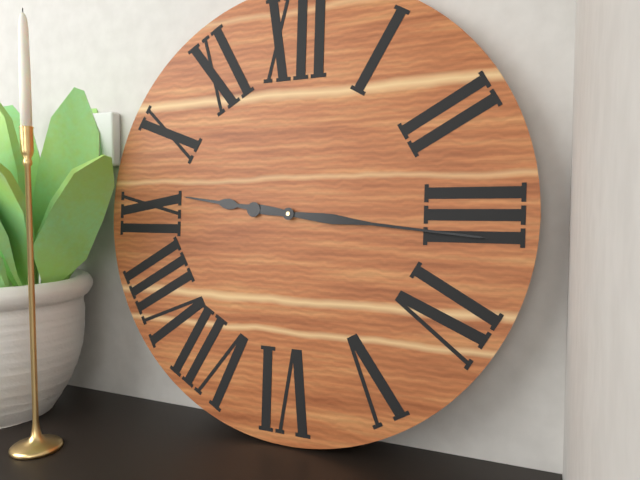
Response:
9,16
